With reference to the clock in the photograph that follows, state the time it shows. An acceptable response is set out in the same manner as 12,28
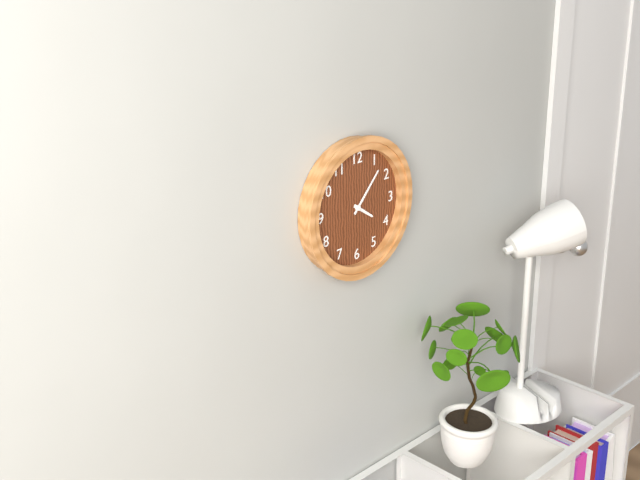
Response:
4,07
